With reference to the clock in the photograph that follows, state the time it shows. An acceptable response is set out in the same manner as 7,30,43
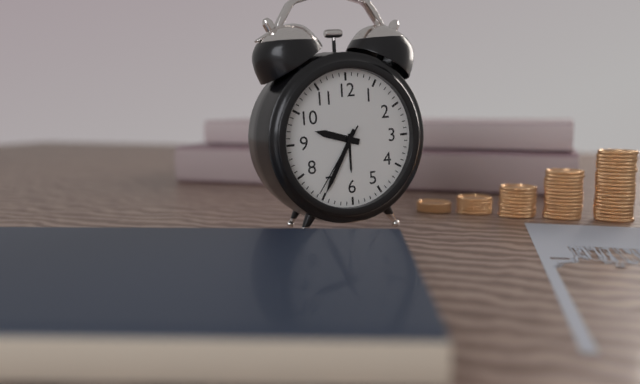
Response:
9,35,36
